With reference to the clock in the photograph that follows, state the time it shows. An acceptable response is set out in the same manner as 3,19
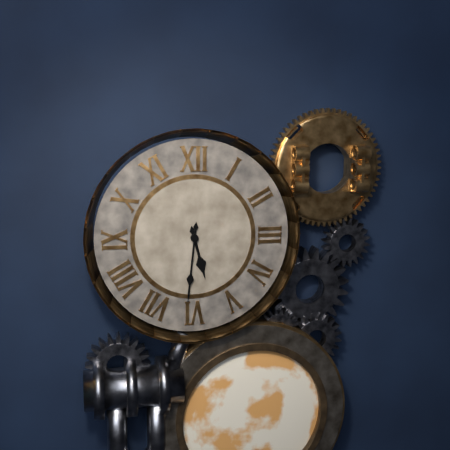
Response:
5,31
